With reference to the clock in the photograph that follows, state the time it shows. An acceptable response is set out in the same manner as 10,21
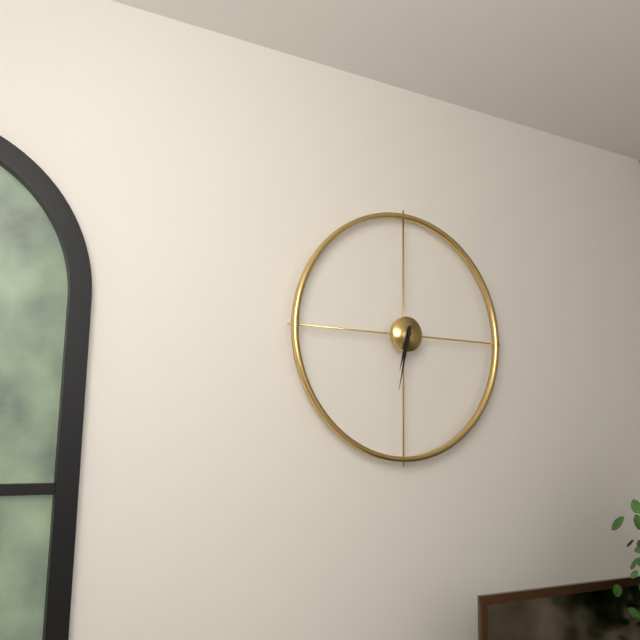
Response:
6,32
